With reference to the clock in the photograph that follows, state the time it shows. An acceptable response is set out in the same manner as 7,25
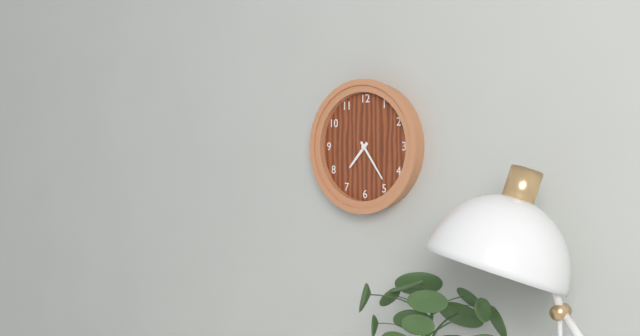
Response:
7,24
